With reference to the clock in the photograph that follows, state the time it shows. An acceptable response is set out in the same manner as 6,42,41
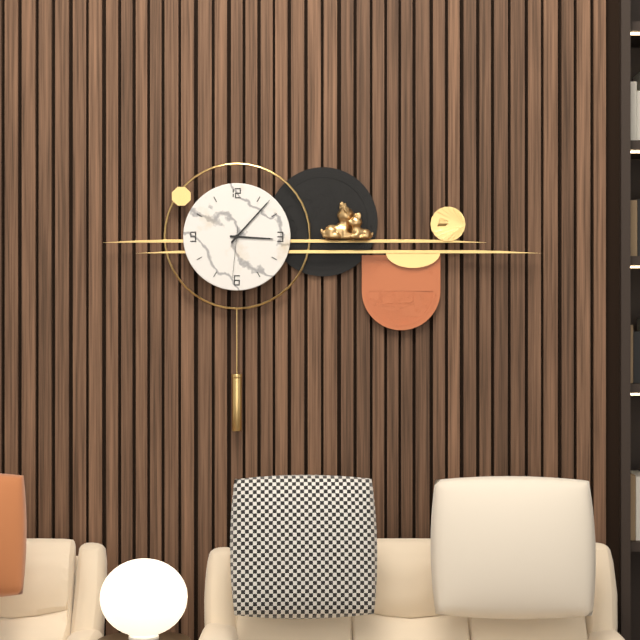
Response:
3,07,31
